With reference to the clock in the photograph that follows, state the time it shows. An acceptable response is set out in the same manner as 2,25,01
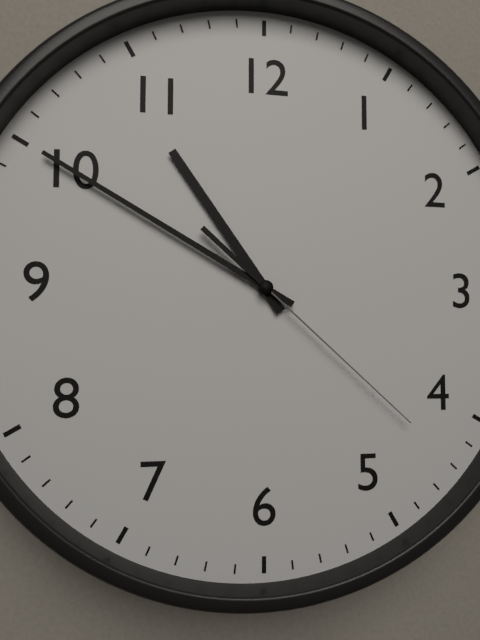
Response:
10,50,22
